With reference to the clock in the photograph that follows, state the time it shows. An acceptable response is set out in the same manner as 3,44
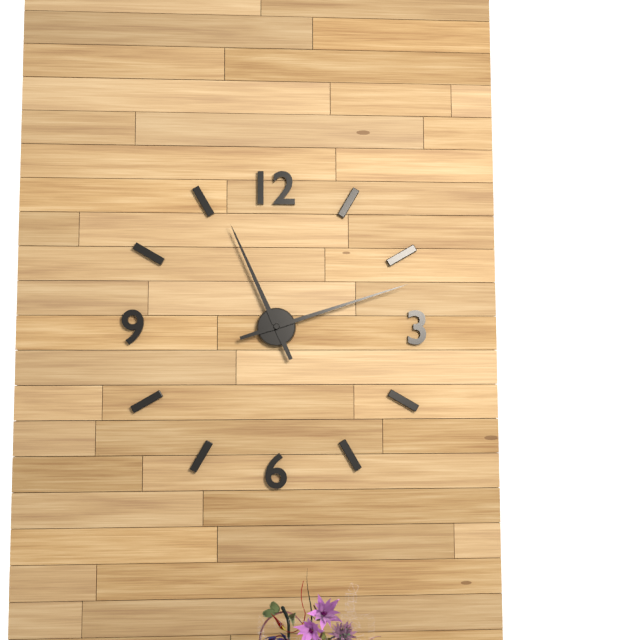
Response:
11,12
